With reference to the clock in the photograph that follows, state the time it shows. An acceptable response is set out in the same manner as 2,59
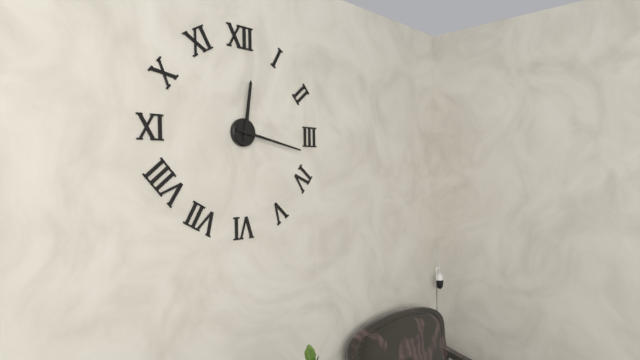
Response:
12,17
